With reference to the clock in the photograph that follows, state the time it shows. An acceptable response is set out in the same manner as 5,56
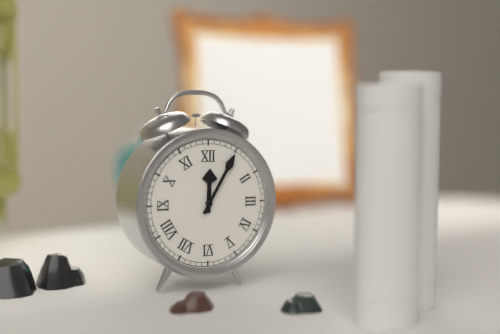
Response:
12,05
